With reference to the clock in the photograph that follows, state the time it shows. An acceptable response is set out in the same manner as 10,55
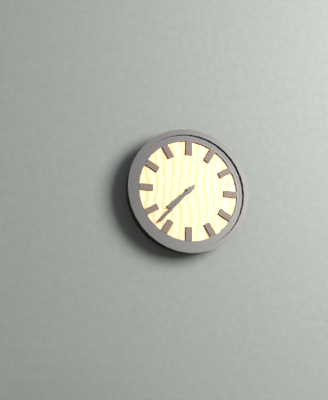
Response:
7,37
